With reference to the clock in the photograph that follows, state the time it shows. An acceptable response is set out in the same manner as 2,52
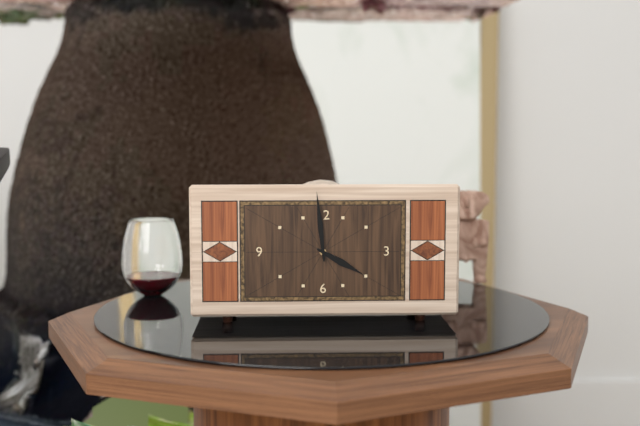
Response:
3,59
